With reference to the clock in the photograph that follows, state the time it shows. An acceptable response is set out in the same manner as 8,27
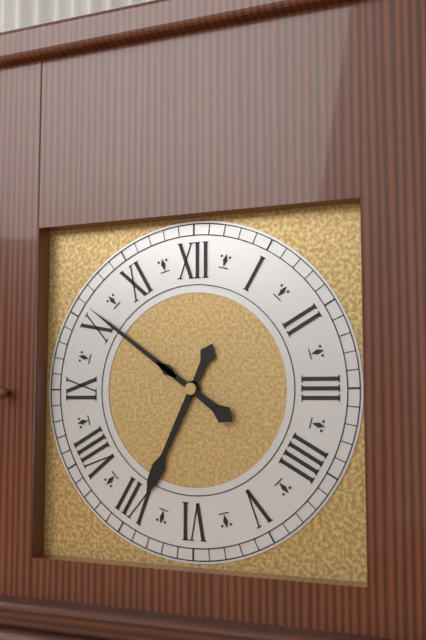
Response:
6,51
